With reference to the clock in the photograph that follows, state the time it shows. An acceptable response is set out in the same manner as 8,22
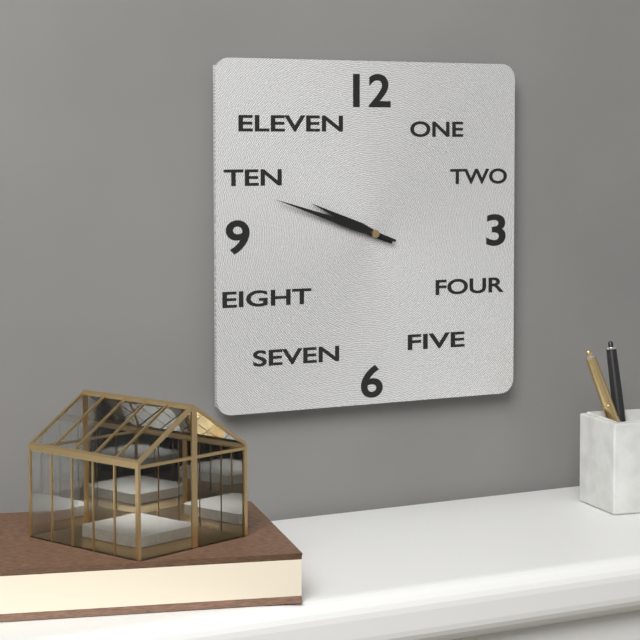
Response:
9,48
